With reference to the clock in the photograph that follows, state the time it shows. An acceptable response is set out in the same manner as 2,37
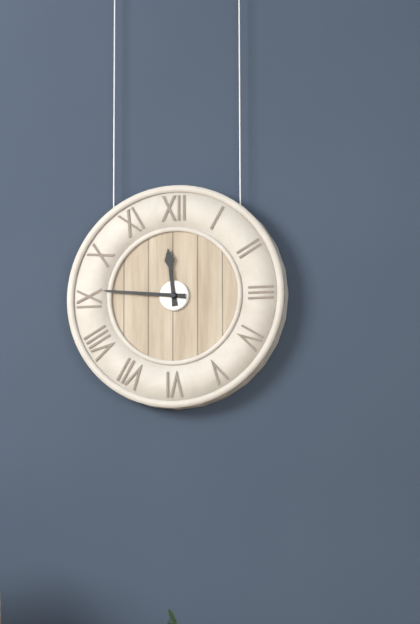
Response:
11,46
